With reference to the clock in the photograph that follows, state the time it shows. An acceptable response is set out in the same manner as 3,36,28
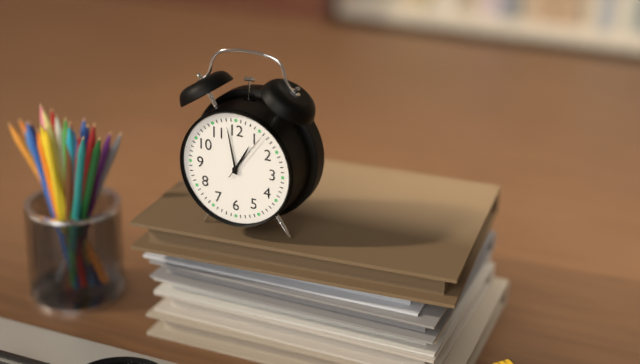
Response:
12,58,06
